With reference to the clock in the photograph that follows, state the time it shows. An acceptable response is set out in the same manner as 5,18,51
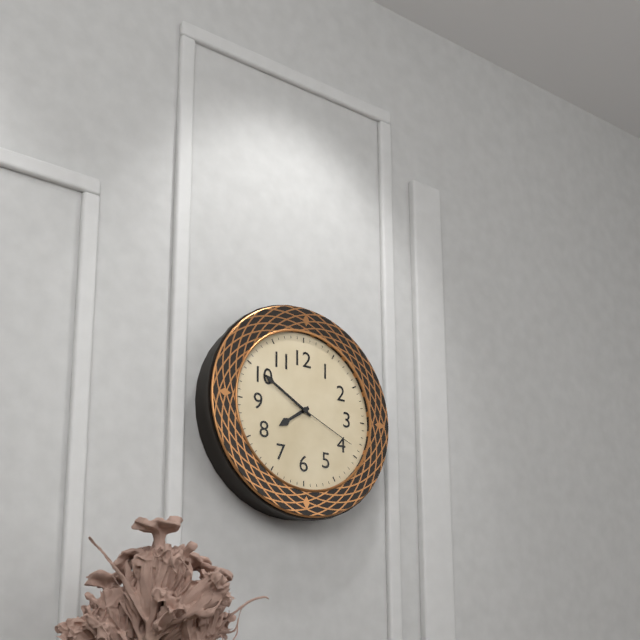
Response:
7,50,19
